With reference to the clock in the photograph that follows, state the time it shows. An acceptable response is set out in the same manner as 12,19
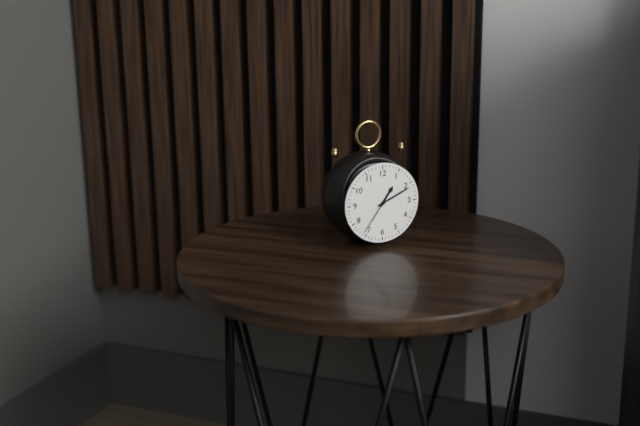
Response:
1,11
